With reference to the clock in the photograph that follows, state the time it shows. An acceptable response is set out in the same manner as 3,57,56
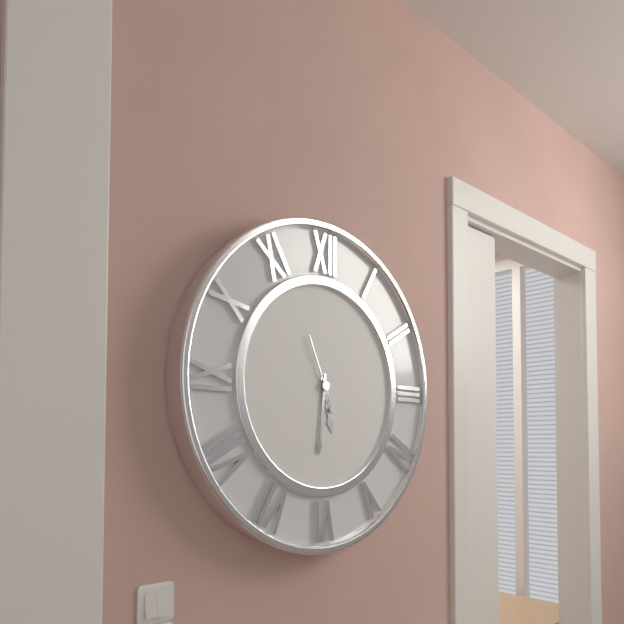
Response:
5,31,56
